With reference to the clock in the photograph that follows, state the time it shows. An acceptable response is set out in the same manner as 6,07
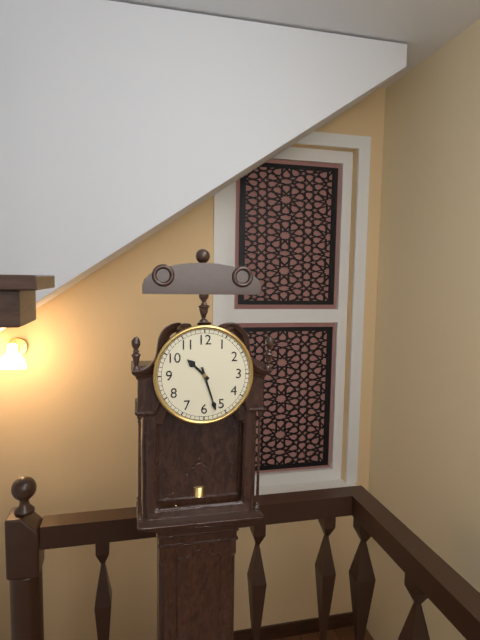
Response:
10,27
